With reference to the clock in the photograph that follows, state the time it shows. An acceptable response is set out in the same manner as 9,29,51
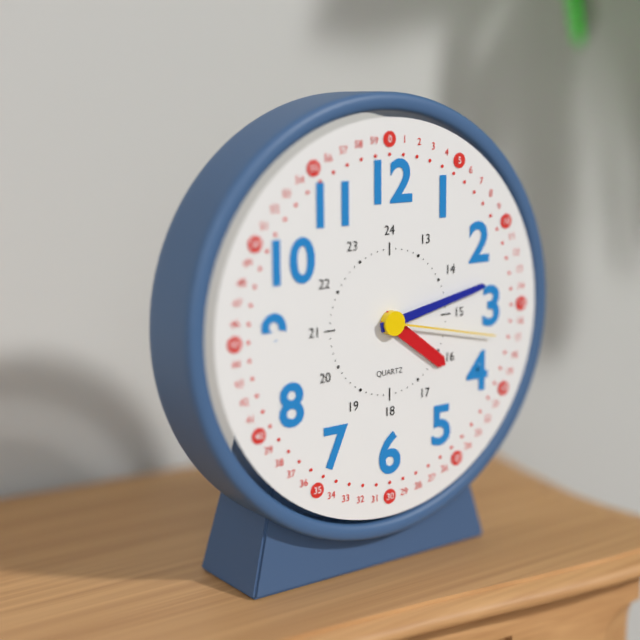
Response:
4,13,17
